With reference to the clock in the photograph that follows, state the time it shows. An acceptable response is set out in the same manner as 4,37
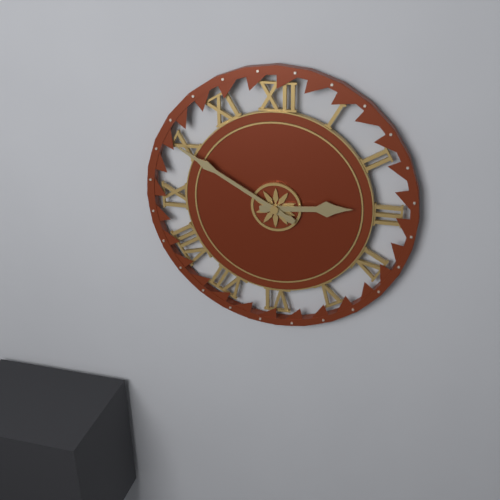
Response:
2,50
